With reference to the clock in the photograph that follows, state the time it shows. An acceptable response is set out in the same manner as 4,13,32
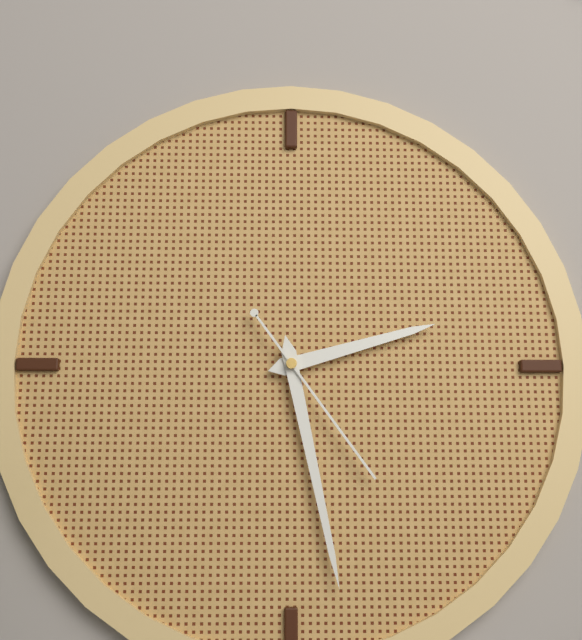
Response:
2,28,24
